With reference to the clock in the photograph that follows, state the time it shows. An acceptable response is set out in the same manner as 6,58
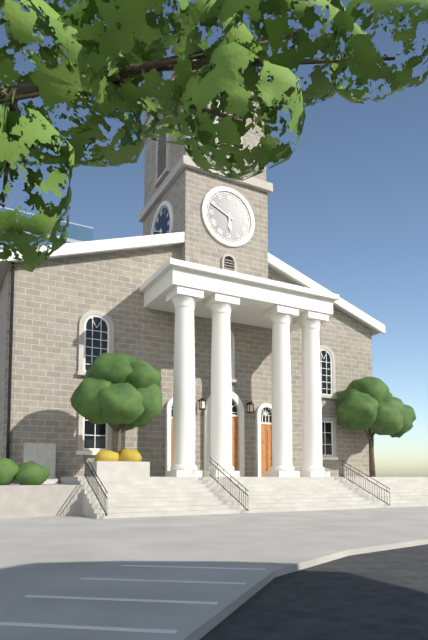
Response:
5,49
